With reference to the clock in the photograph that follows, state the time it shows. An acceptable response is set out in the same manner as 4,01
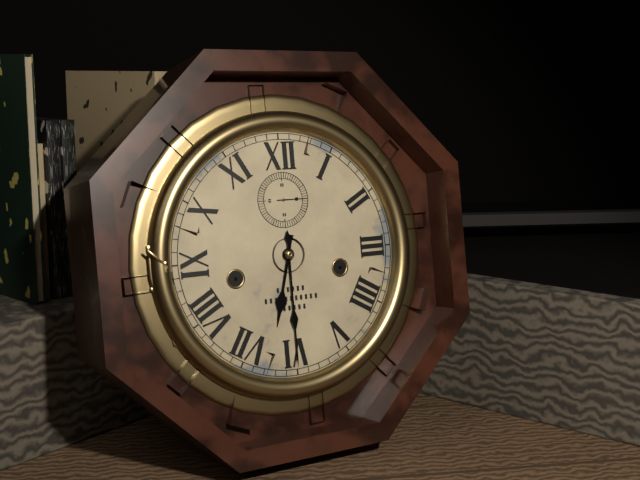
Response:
6,30
